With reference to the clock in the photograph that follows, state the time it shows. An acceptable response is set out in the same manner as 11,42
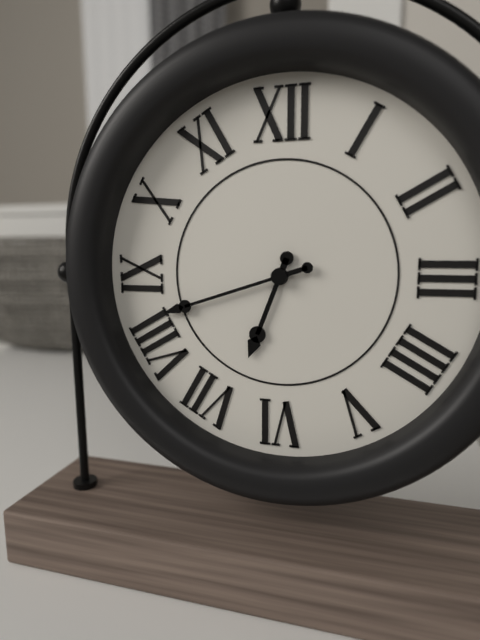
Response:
6,42
